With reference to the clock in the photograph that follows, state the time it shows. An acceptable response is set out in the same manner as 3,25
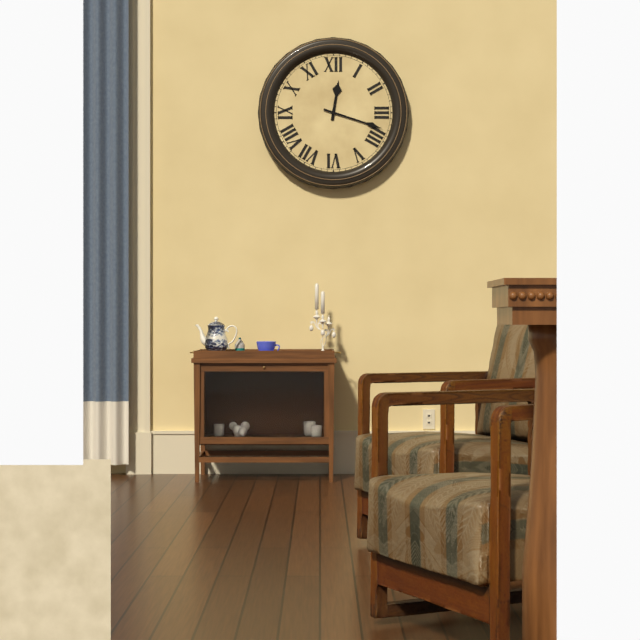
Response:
12,18
